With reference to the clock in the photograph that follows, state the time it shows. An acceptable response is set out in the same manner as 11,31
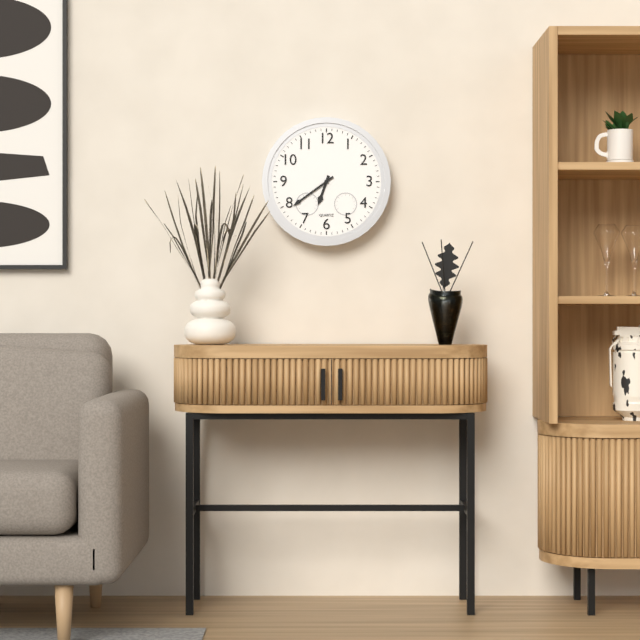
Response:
6,39
